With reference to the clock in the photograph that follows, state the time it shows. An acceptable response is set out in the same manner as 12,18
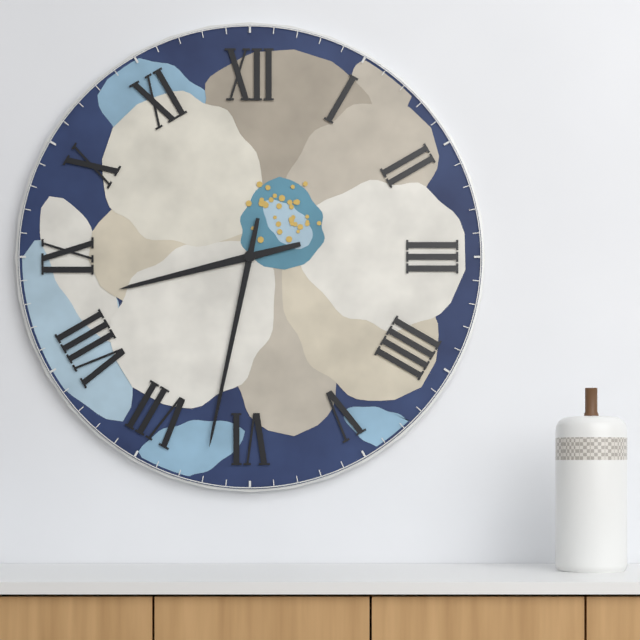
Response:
8,32
